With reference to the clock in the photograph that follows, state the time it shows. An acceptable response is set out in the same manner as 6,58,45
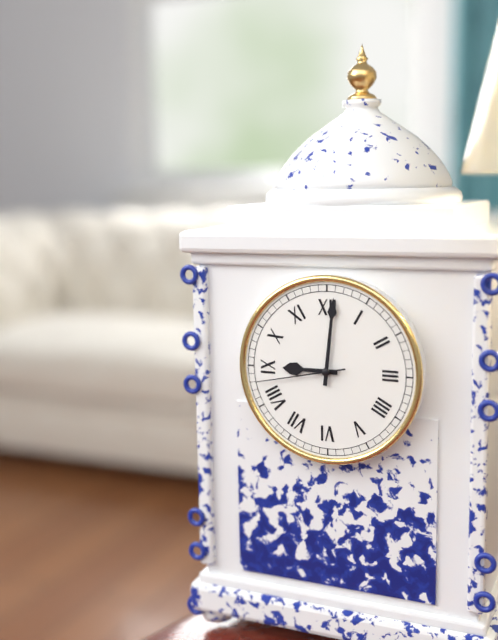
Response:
9,01,43
